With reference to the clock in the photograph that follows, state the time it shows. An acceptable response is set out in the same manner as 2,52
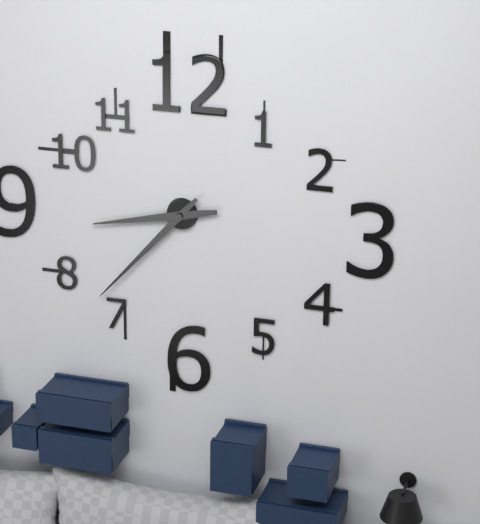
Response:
8,37
